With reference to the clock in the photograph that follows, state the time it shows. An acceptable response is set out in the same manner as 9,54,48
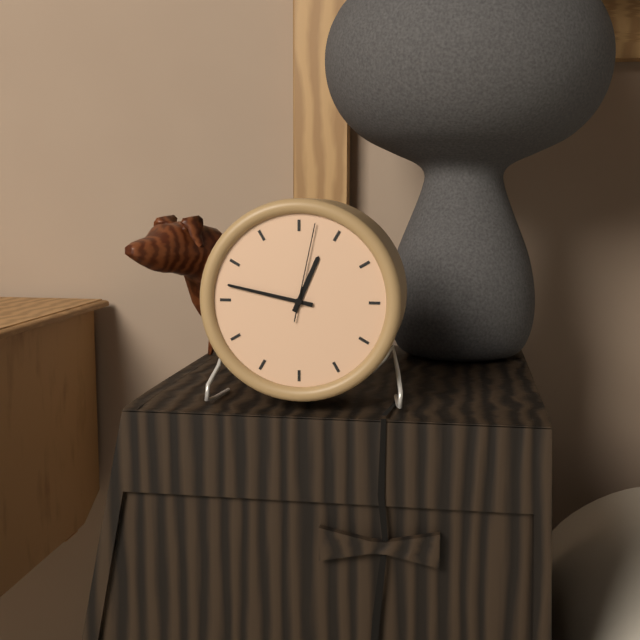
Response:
12,47,02
